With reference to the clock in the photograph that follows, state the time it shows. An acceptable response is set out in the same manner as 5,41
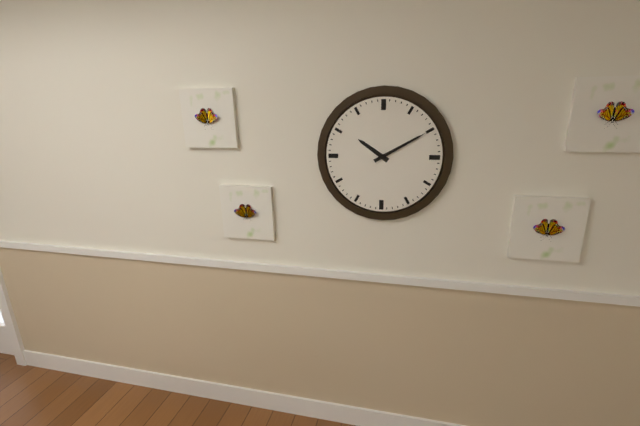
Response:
10,10
